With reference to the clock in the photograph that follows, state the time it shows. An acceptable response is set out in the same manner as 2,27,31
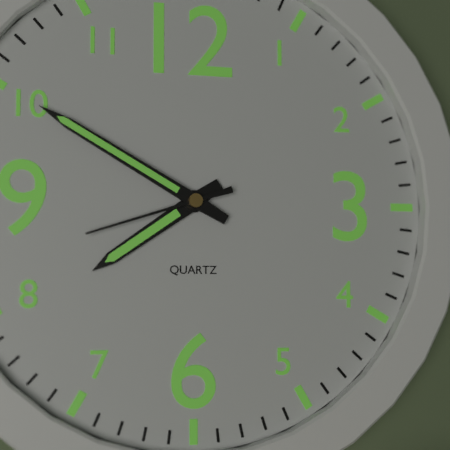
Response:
7,50,42
